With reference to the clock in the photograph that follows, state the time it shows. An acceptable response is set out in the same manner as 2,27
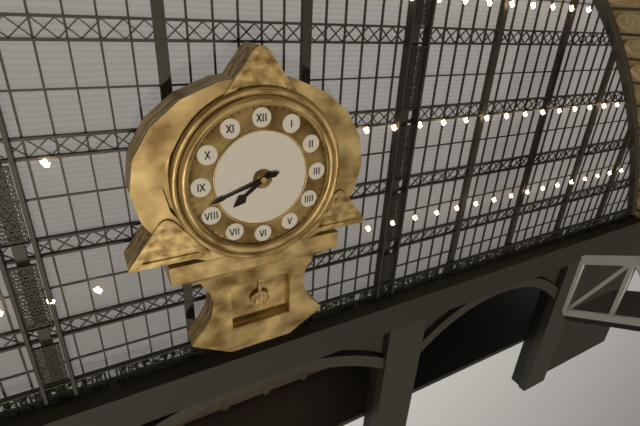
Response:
7,42
